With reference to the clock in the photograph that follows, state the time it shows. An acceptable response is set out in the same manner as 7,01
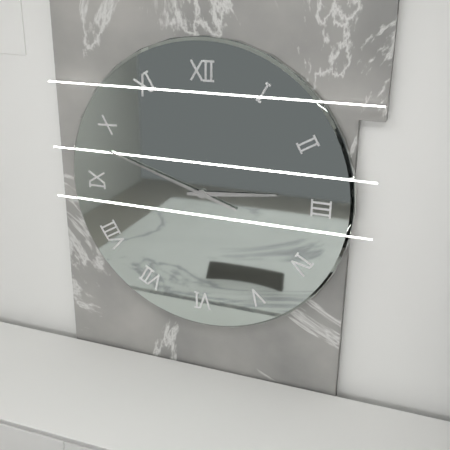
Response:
2,48
